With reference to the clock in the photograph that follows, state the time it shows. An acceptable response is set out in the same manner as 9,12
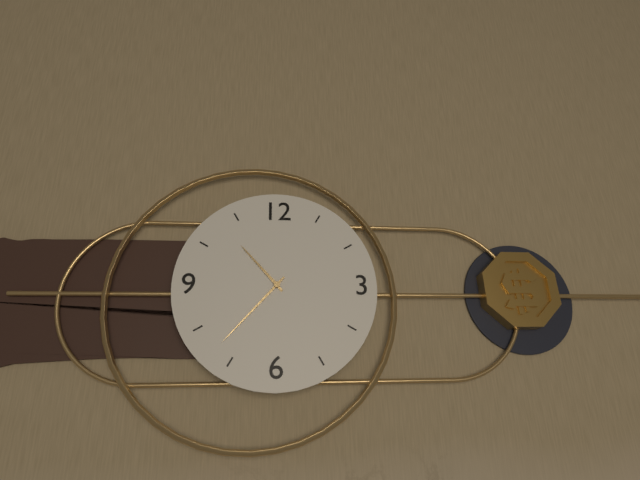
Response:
10,37
